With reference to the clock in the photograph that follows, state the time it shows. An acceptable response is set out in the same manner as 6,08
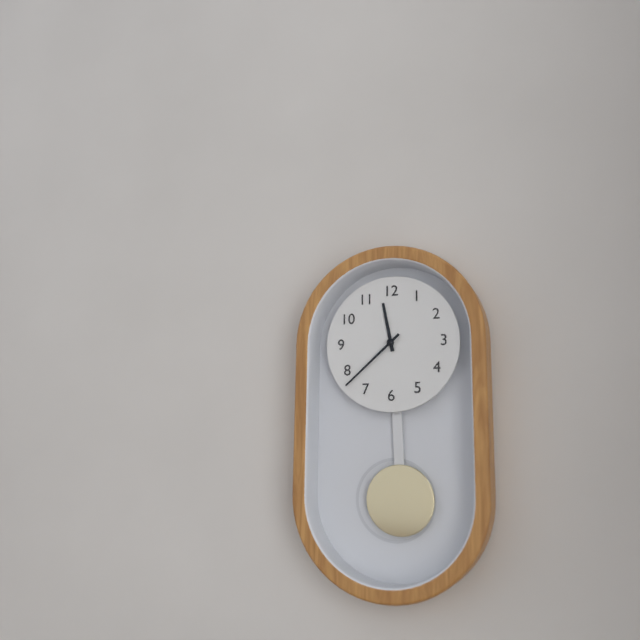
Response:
11,38
